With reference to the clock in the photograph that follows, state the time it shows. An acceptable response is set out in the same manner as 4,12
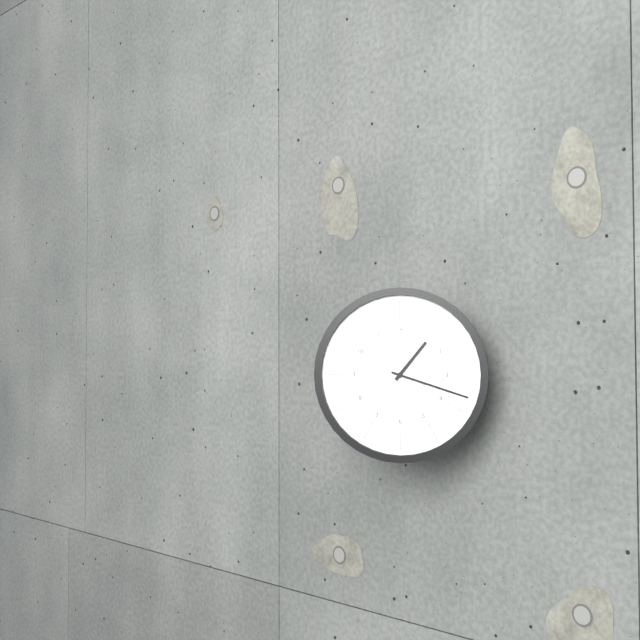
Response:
1,18
